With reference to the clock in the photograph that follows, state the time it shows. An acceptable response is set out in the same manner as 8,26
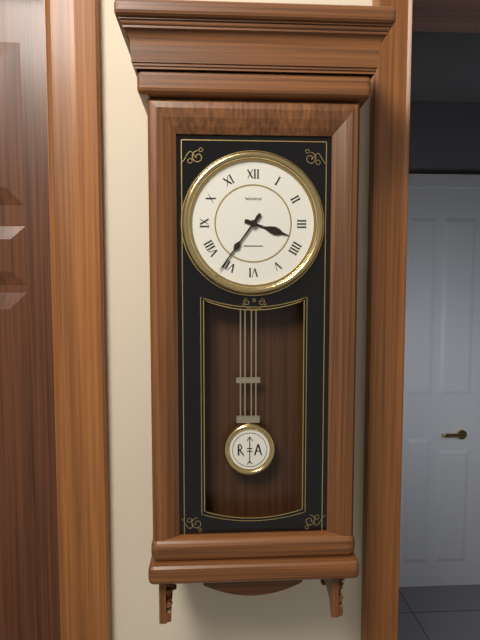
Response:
3,36
